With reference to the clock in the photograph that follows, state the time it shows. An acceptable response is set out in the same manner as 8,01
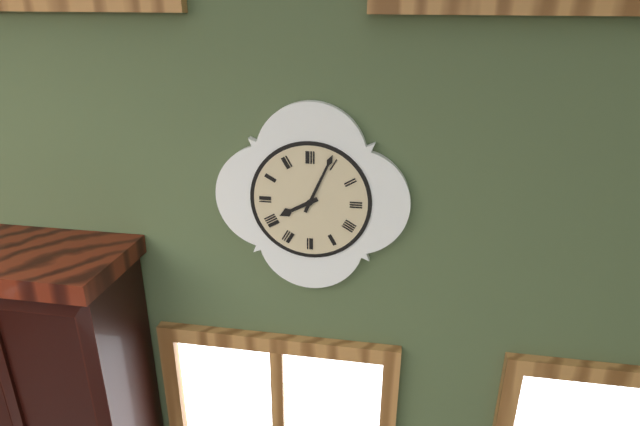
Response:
8,04
